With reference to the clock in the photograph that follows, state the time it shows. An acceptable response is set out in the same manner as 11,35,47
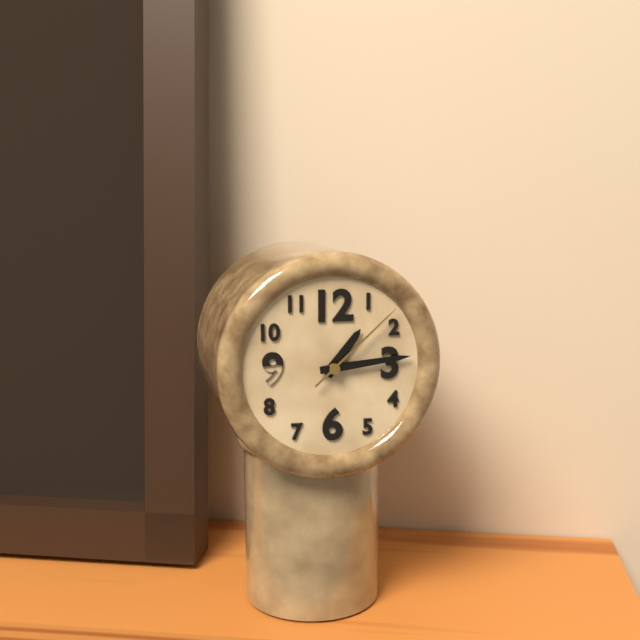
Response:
1,14,08
